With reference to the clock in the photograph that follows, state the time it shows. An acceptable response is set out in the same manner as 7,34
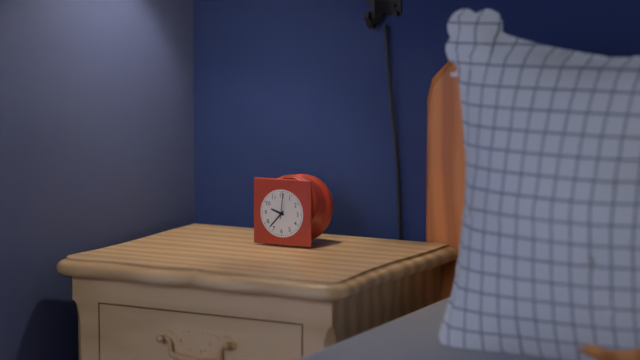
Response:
9,37
